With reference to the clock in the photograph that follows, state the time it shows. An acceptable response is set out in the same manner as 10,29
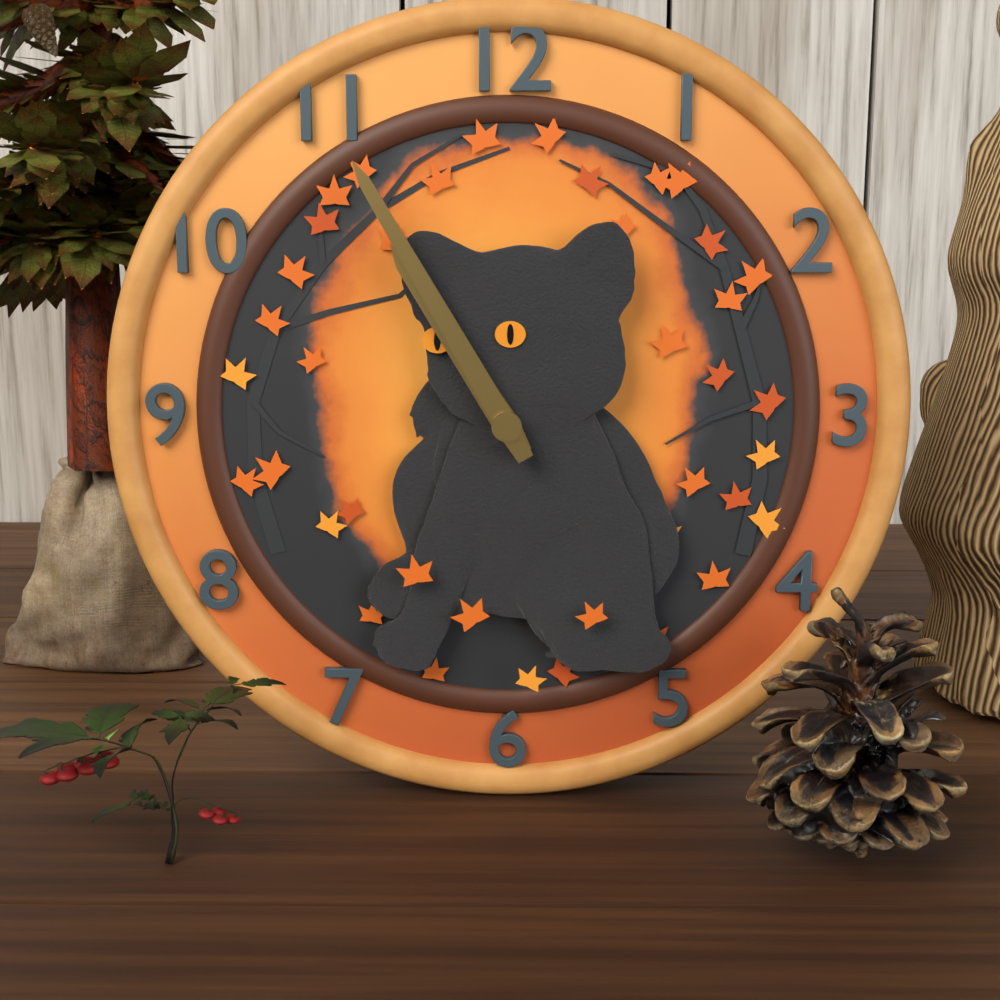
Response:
10,55
